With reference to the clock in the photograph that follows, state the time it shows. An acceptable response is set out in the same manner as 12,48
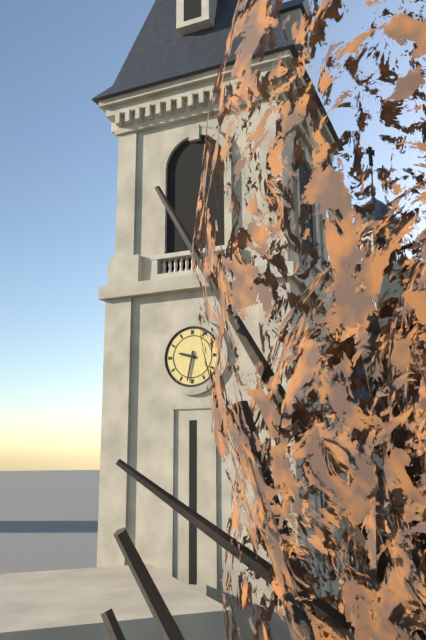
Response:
9,32
